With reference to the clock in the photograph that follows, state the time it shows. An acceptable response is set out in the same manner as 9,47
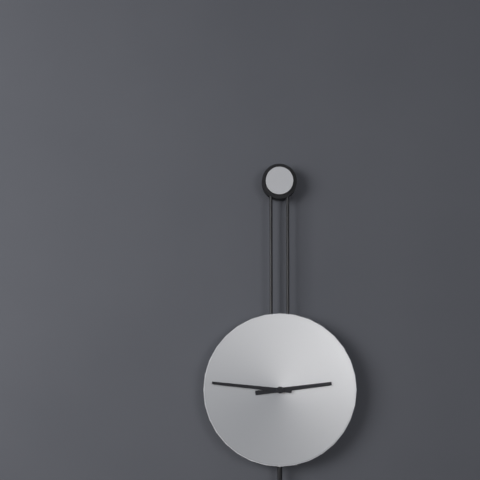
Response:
2,46
